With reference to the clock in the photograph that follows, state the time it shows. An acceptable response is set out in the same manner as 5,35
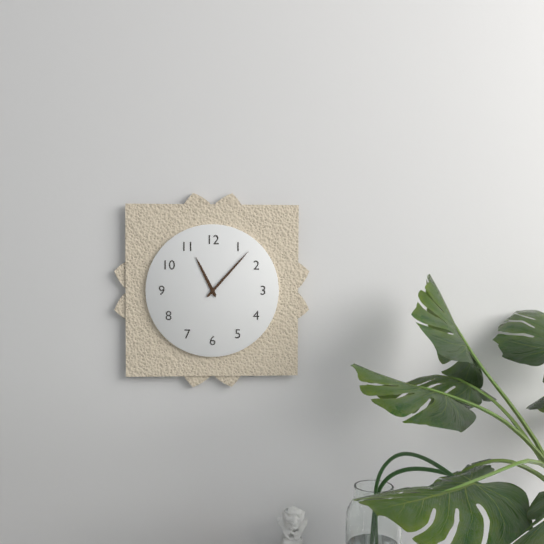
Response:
11,07
